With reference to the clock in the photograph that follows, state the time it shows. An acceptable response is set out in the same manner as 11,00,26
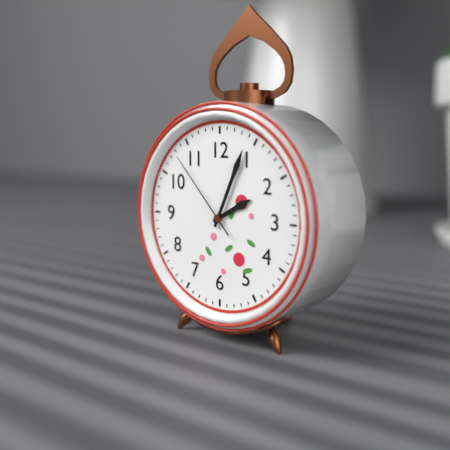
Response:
2,04,53
